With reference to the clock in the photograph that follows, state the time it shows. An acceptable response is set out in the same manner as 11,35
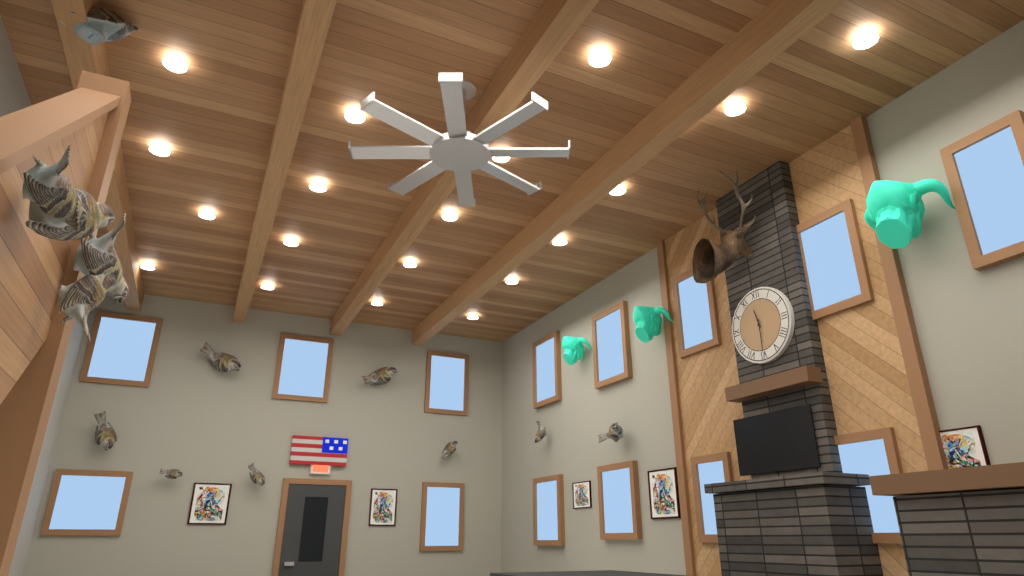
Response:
11,30
